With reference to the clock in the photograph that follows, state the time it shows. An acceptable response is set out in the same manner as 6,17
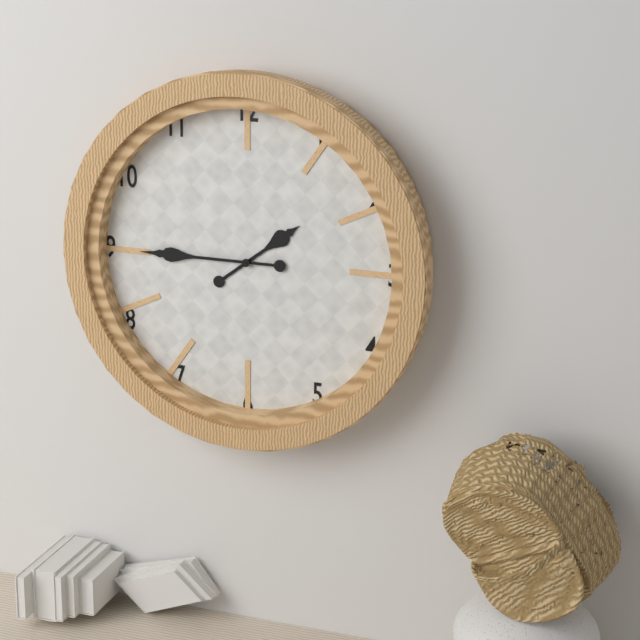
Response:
1,45
